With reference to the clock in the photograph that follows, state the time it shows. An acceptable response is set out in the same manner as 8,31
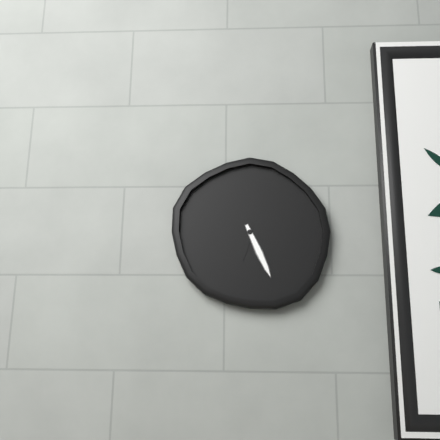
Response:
6,26
